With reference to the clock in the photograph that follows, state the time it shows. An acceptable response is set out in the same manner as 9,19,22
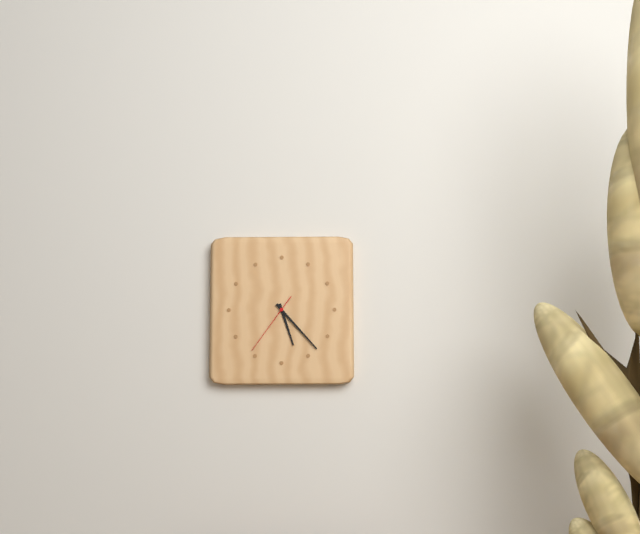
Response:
5,23,36
